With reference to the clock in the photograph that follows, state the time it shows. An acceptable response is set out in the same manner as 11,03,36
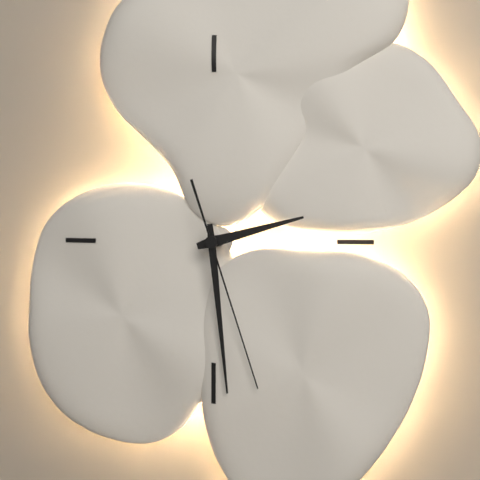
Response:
2,29,27
